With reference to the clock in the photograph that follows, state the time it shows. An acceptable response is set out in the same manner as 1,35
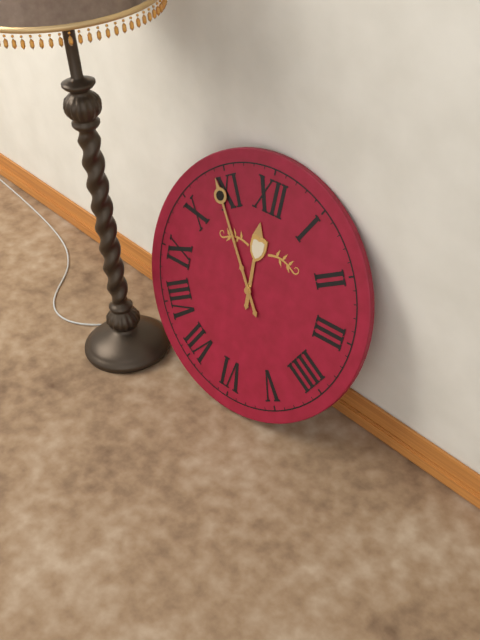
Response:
11,54
